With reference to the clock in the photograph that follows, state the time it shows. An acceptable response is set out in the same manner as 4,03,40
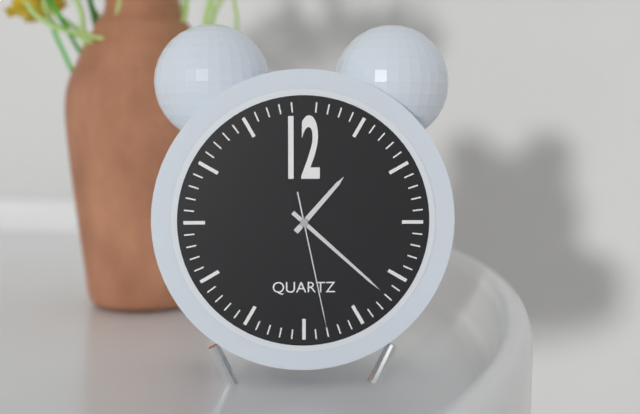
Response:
1,22,28
